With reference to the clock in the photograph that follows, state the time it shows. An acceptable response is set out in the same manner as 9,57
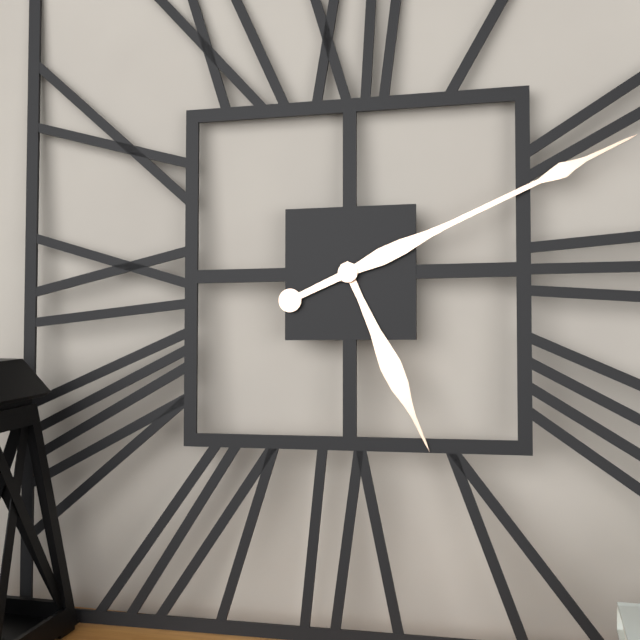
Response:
5,11
